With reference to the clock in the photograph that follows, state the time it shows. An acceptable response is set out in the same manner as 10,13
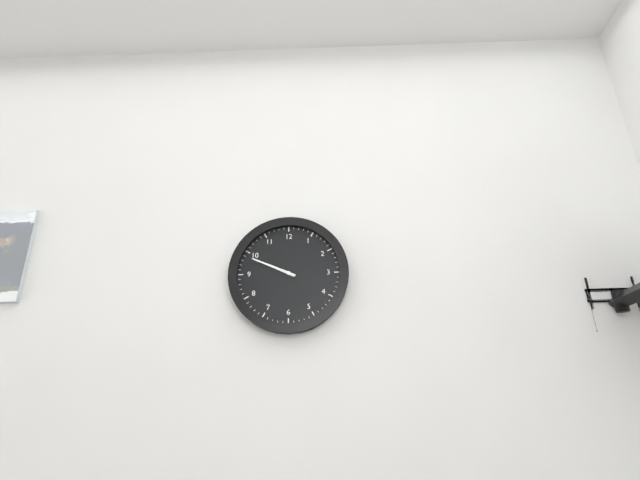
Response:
9,49
